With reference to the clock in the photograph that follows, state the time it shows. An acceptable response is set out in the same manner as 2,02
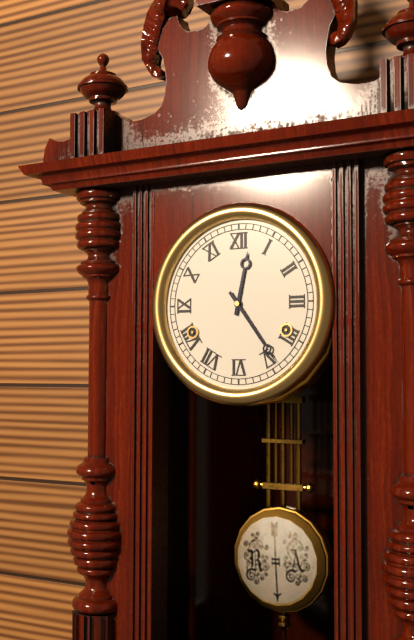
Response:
12,24
